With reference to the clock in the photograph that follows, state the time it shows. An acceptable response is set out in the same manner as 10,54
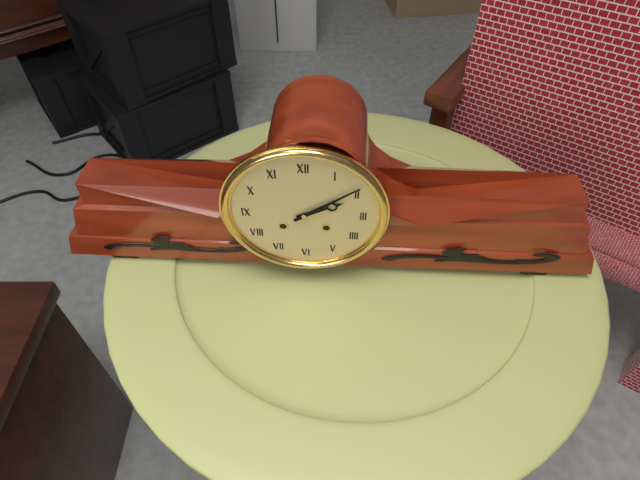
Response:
2,09
